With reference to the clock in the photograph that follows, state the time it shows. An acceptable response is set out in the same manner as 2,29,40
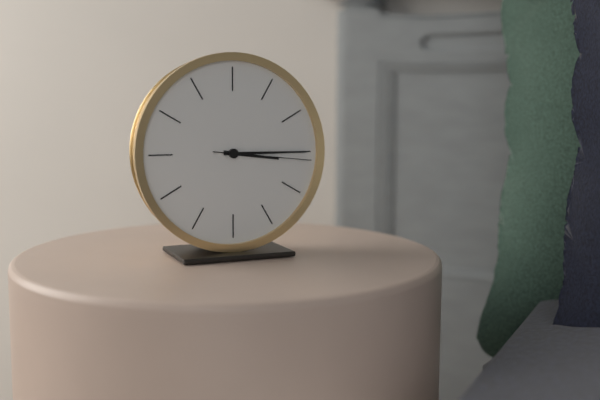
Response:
3,15,16
